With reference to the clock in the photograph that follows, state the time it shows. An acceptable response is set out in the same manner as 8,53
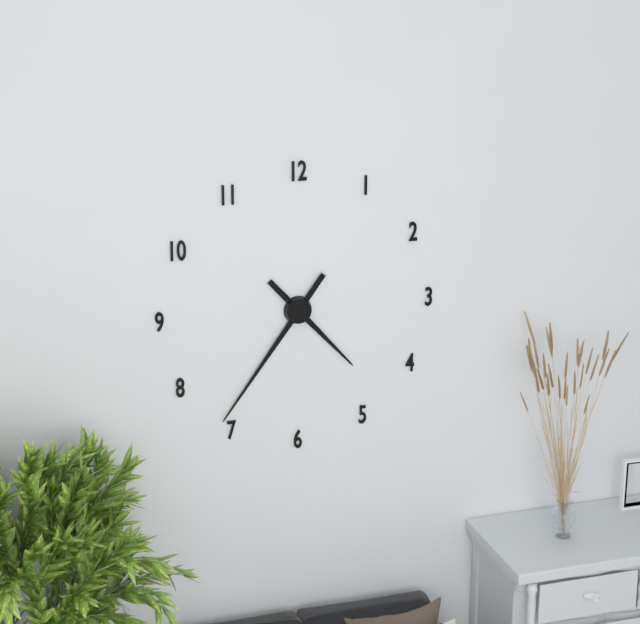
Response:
4,36
